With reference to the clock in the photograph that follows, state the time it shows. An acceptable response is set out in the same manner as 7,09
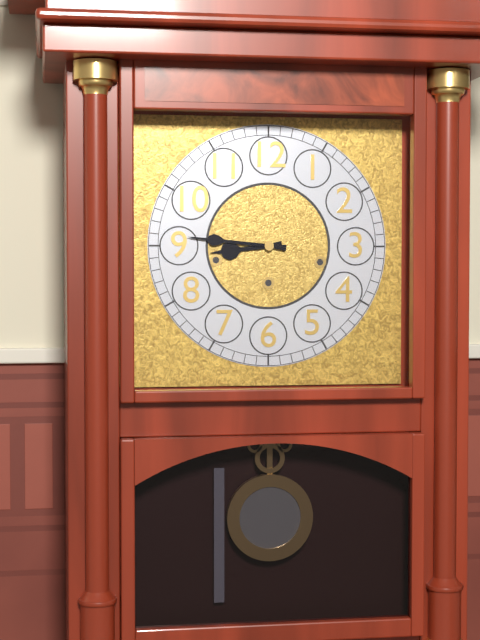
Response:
8,46
